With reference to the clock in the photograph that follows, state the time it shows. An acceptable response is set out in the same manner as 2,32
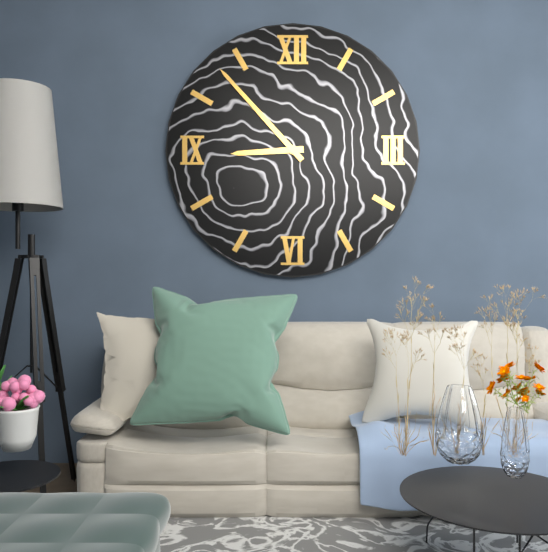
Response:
8,53
